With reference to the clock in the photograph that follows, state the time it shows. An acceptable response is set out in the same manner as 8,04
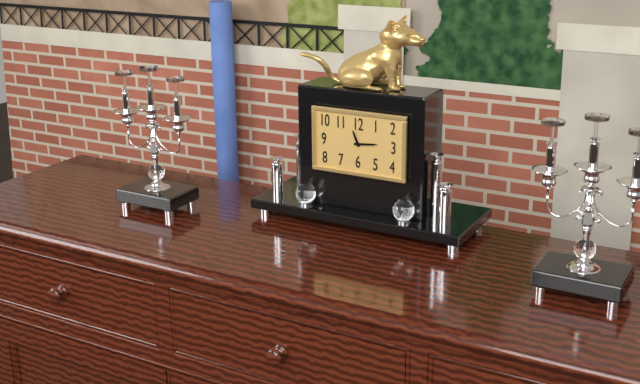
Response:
11,14
